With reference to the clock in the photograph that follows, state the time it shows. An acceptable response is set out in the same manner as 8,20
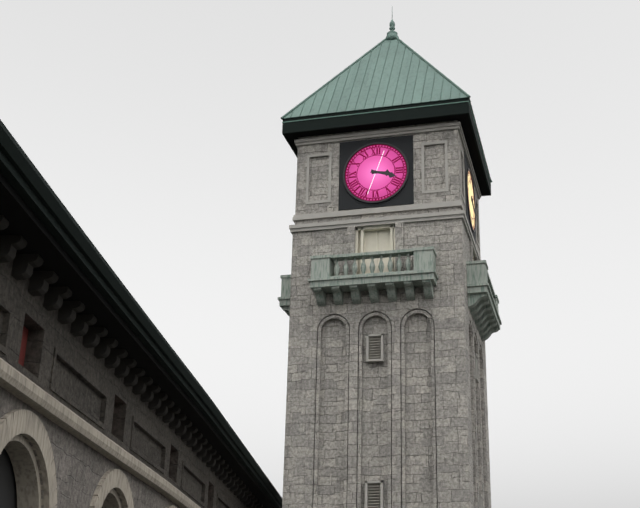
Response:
3,18
